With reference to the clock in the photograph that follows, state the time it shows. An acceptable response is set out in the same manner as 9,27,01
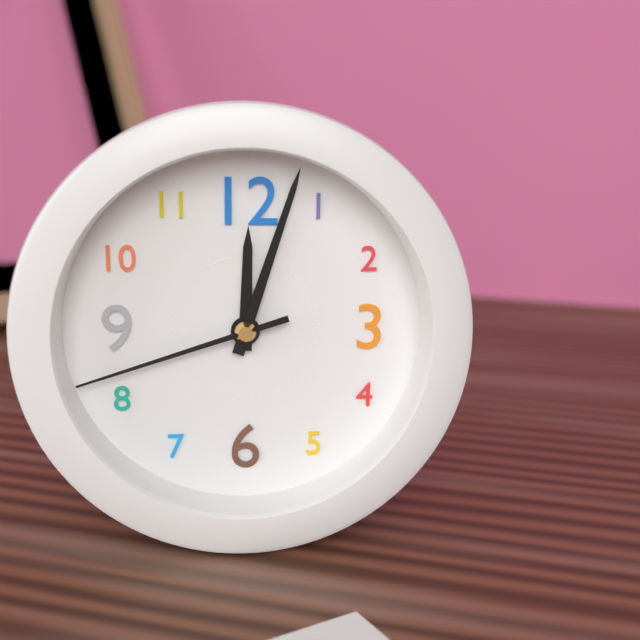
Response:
12,03,42
